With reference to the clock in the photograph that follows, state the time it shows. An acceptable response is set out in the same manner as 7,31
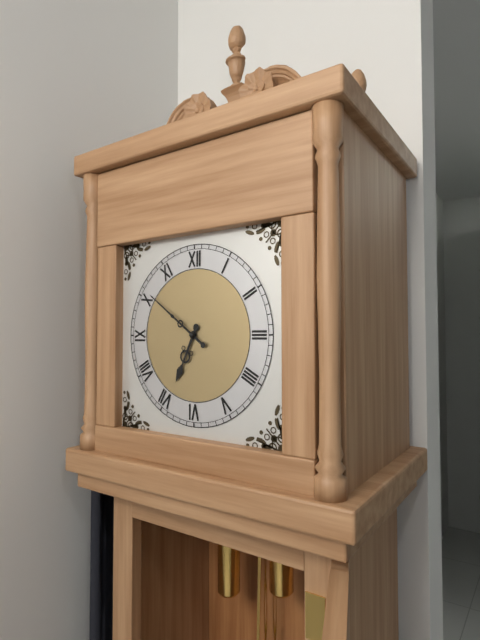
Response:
6,51
